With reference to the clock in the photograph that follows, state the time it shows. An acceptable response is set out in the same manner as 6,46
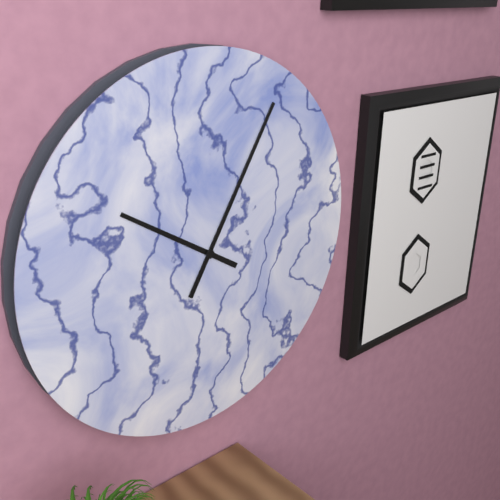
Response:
10,05
